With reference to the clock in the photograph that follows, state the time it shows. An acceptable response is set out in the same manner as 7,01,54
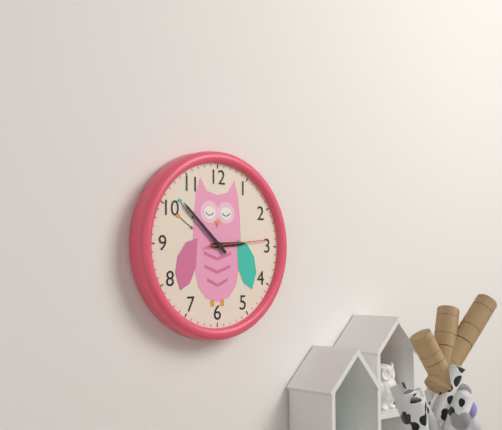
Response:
2,52,14
